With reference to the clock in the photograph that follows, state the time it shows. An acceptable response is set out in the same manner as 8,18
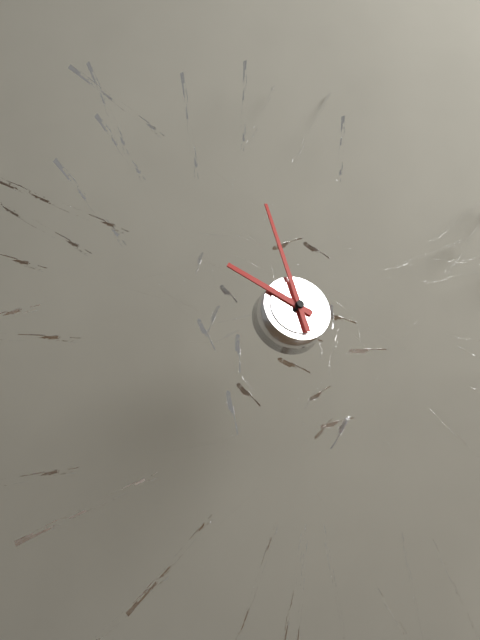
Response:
9,58
